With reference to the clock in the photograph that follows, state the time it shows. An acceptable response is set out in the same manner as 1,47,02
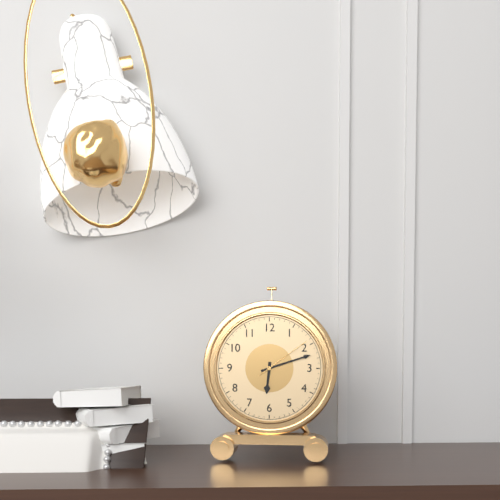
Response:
6,12,09
